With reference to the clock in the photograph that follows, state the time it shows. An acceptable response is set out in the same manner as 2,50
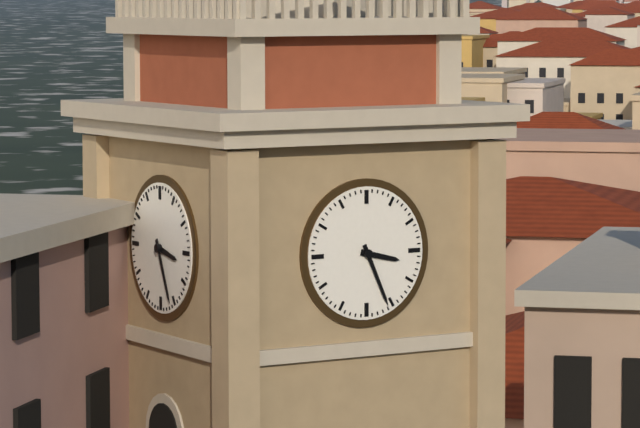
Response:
3,26
